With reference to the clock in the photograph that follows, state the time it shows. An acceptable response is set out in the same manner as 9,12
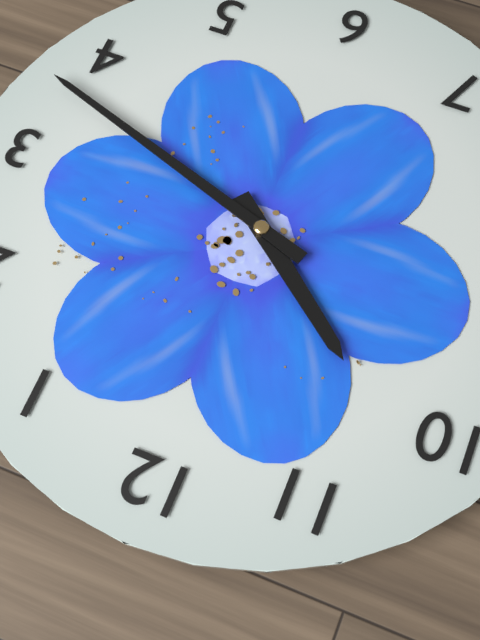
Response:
10,18
